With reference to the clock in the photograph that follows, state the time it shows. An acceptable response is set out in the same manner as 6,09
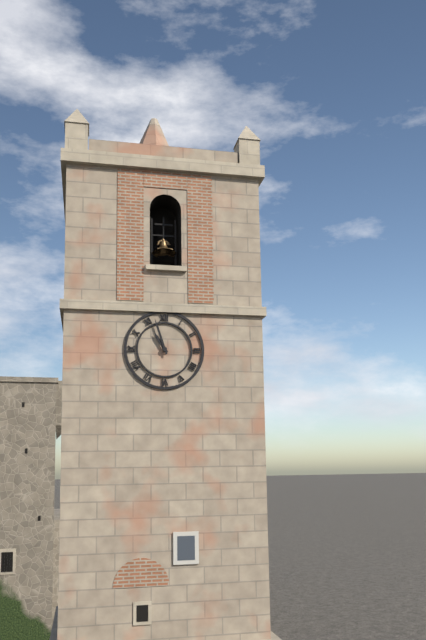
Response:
10,57
